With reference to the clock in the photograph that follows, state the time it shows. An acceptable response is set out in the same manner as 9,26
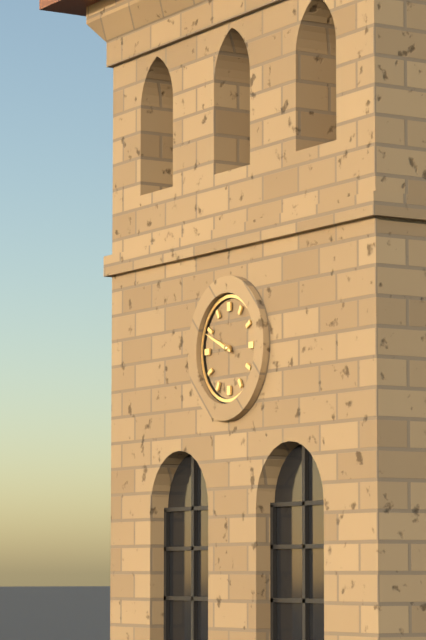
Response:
9,49
